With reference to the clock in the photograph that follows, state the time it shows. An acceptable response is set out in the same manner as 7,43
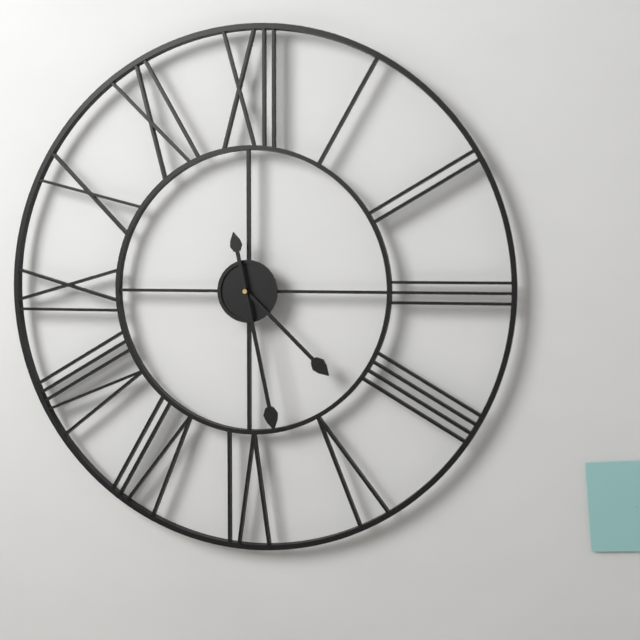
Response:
4,28
